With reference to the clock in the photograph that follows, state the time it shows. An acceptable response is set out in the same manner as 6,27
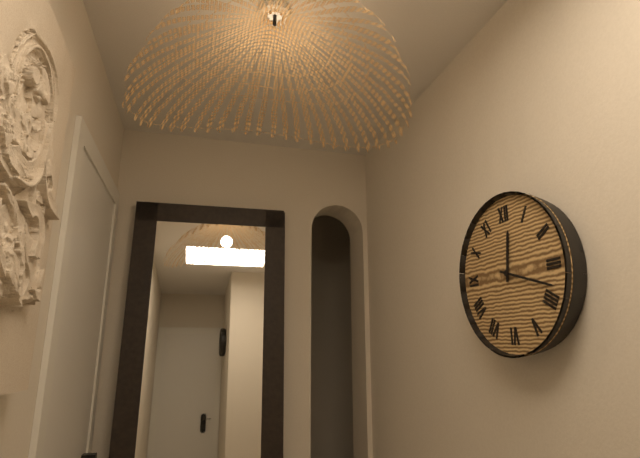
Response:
12,18
